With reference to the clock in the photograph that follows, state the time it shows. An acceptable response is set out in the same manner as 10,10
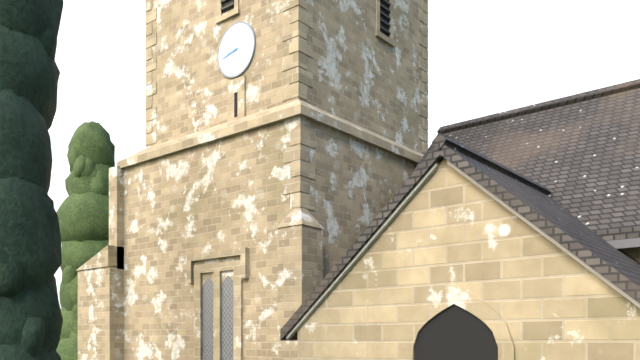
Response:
8,43
